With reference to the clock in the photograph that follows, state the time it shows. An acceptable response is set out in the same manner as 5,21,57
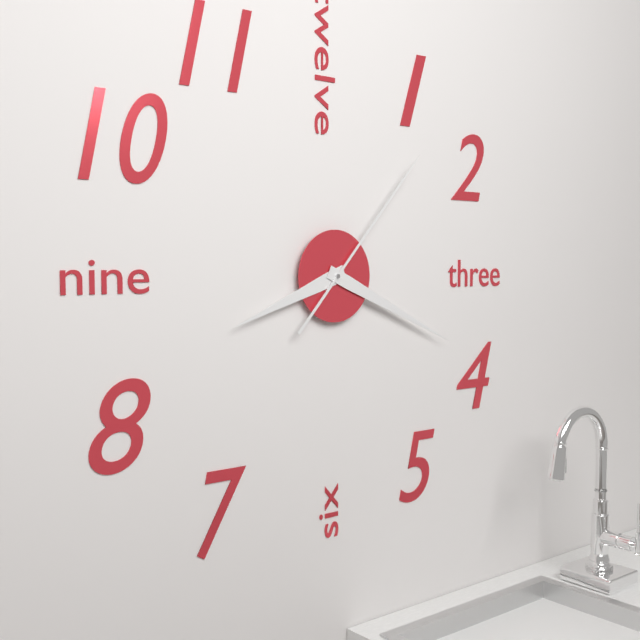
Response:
8,19,07
